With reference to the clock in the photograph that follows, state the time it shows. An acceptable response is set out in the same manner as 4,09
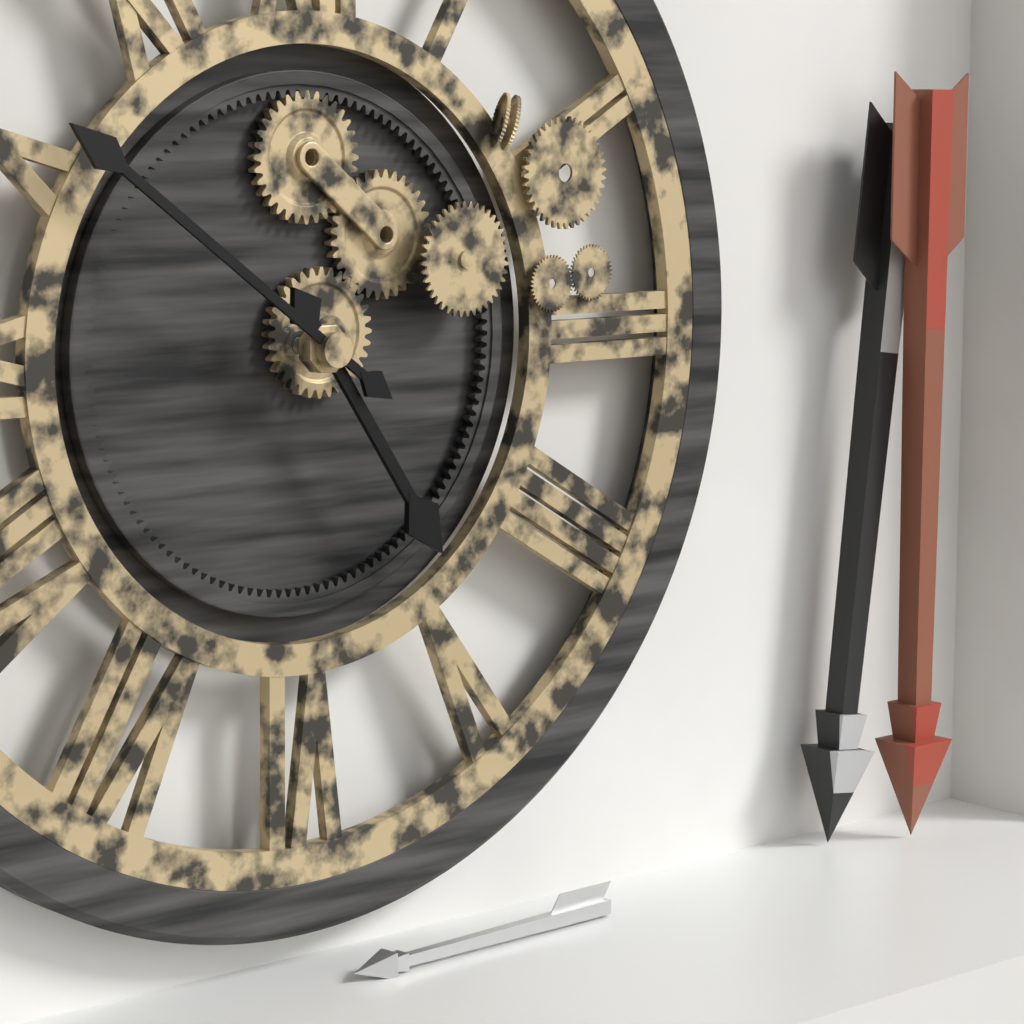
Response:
4,51
